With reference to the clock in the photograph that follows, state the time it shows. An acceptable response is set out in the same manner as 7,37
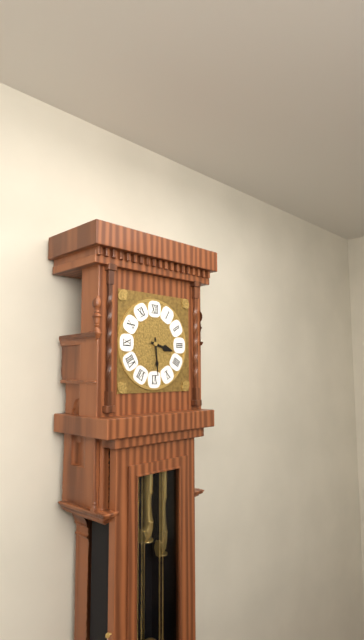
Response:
3,29
